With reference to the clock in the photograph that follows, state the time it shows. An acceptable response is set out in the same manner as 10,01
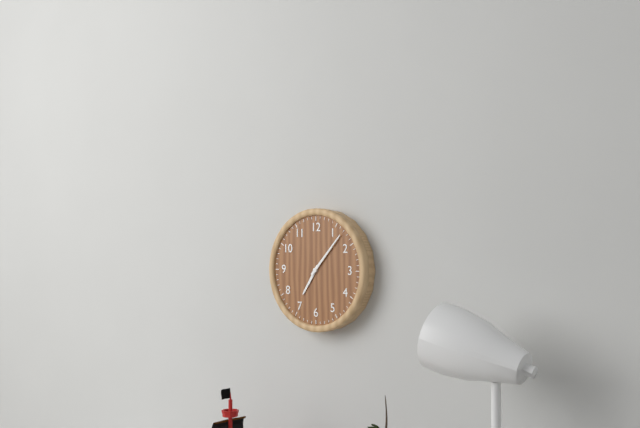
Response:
7,07
